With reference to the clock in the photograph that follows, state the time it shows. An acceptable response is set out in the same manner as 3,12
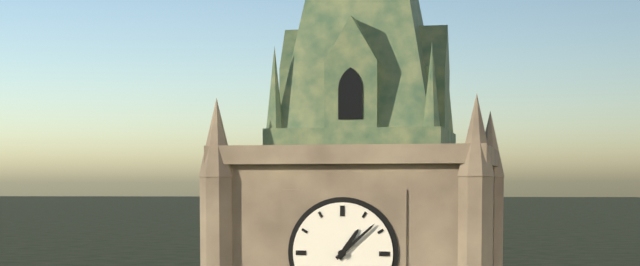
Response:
1,08
